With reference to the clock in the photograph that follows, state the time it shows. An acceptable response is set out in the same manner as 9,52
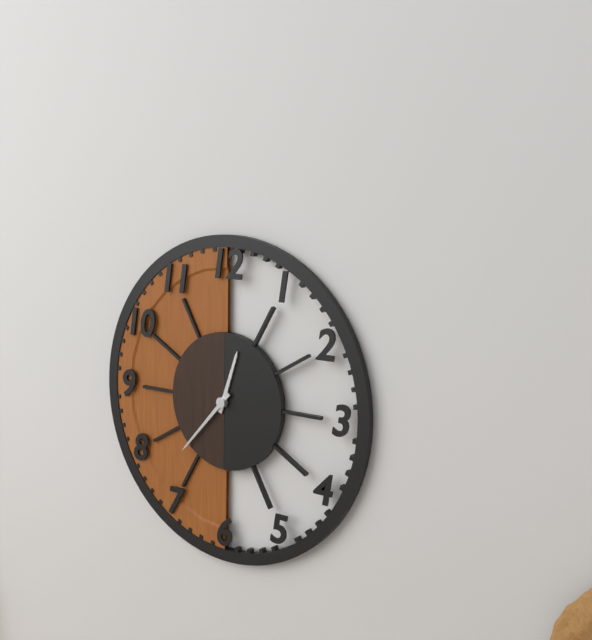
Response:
12,37
